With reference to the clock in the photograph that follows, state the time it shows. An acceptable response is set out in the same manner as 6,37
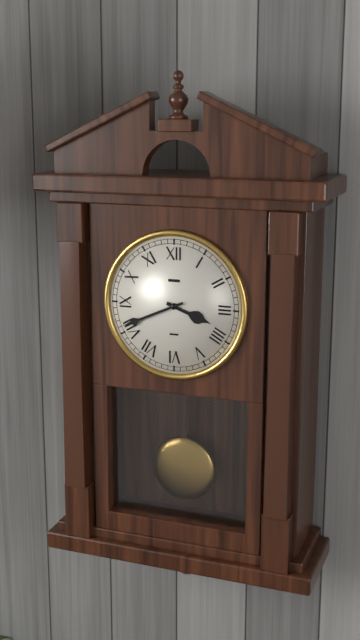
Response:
3,41
